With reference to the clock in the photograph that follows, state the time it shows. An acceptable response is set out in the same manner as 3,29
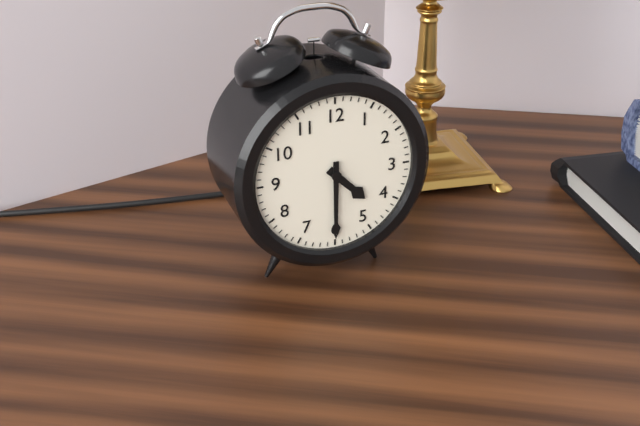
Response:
4,30
